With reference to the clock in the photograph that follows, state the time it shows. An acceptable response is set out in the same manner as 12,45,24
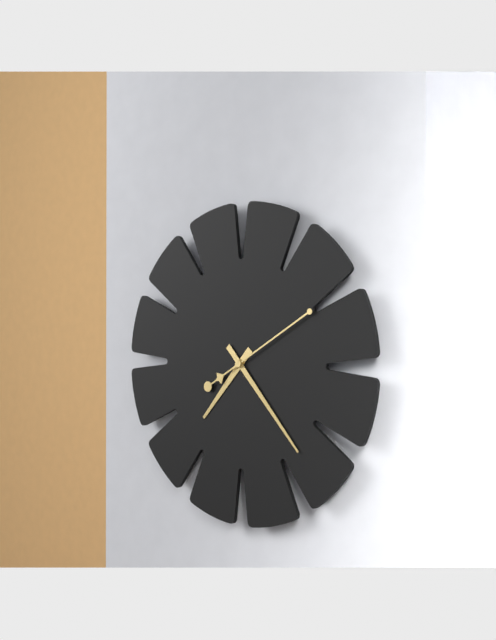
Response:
7,23,10
